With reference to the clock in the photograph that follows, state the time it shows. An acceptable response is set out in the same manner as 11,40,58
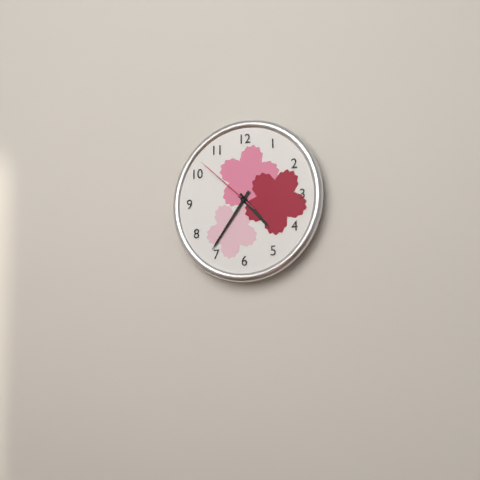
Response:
4,36,52
